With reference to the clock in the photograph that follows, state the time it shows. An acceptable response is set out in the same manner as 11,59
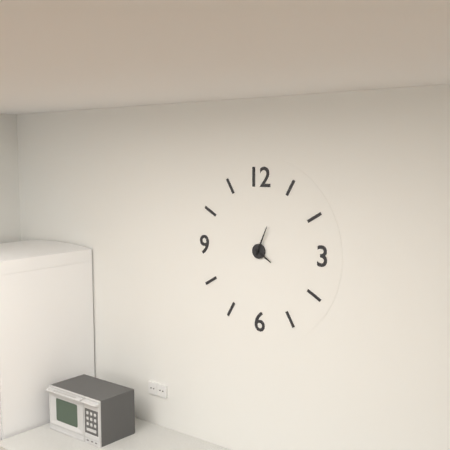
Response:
4,04
